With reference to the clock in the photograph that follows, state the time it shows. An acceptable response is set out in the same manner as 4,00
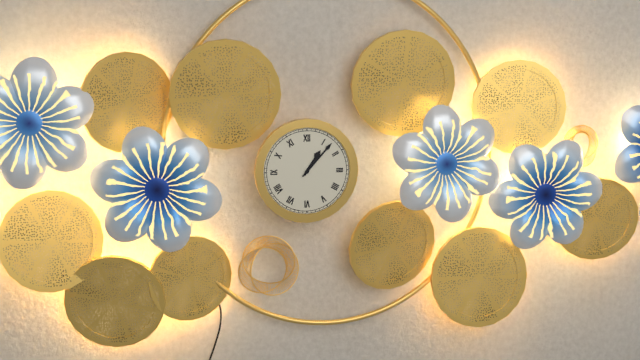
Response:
1,07
